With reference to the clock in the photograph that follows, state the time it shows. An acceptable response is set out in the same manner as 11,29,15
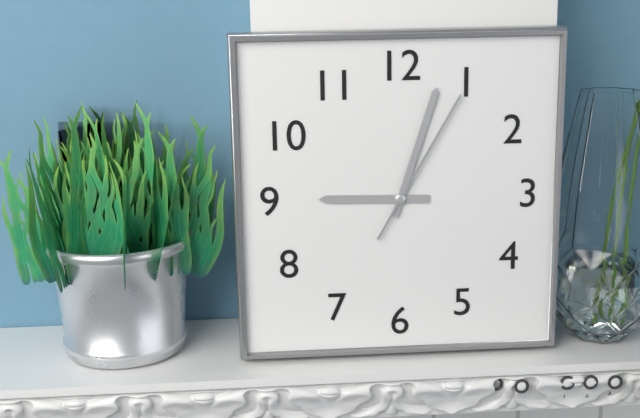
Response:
9,03,05
